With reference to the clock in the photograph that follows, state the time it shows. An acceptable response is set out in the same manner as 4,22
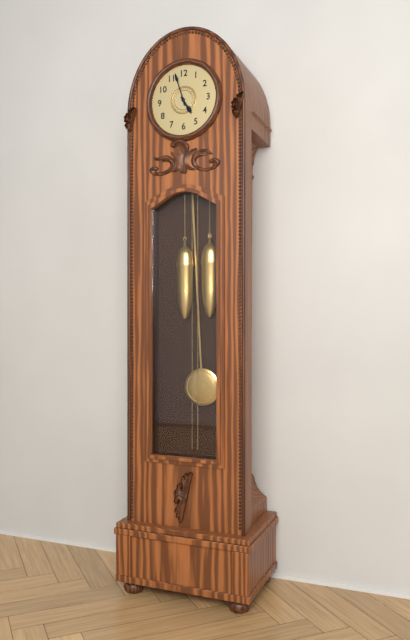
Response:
4,57
